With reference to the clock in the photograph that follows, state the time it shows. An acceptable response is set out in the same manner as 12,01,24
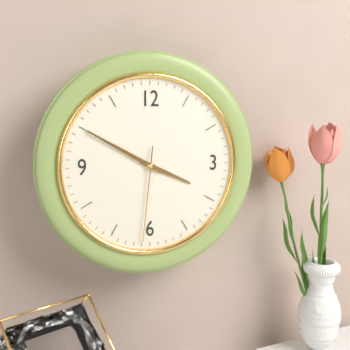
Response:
3,50,31
